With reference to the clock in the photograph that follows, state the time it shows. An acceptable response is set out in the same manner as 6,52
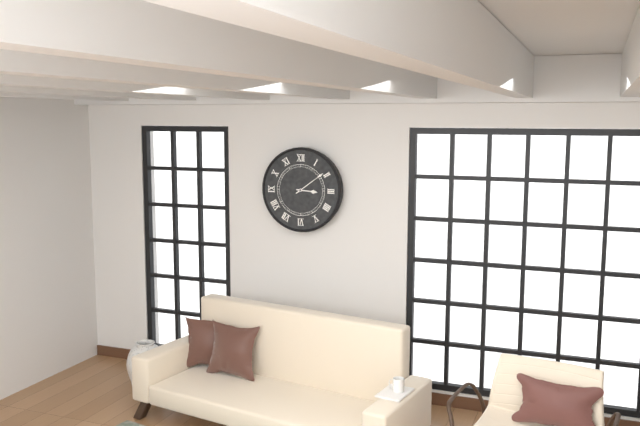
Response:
3,09
